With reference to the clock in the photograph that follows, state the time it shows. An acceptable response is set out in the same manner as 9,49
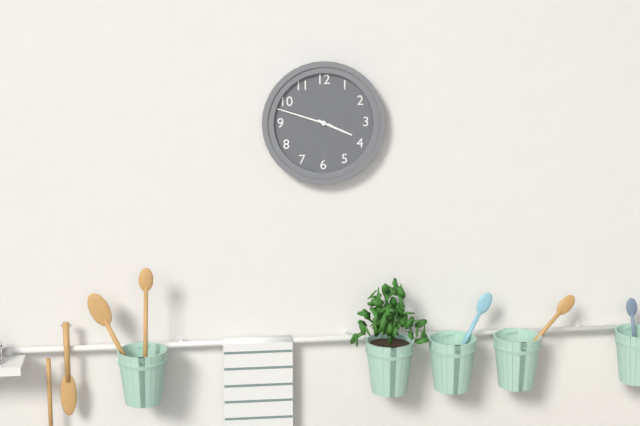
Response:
3,48
